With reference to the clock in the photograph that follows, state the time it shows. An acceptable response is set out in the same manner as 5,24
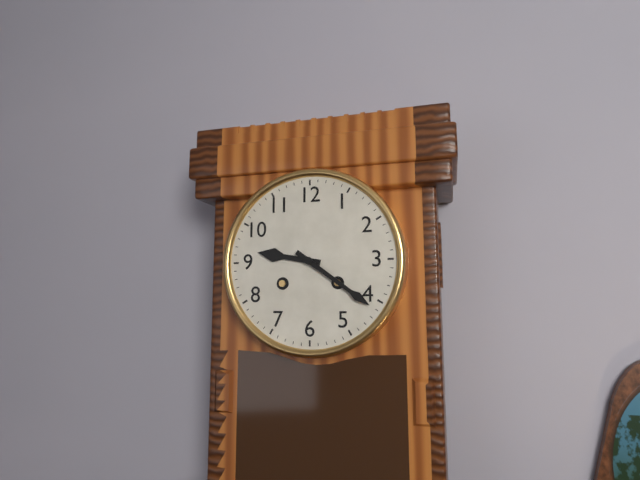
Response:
9,21
